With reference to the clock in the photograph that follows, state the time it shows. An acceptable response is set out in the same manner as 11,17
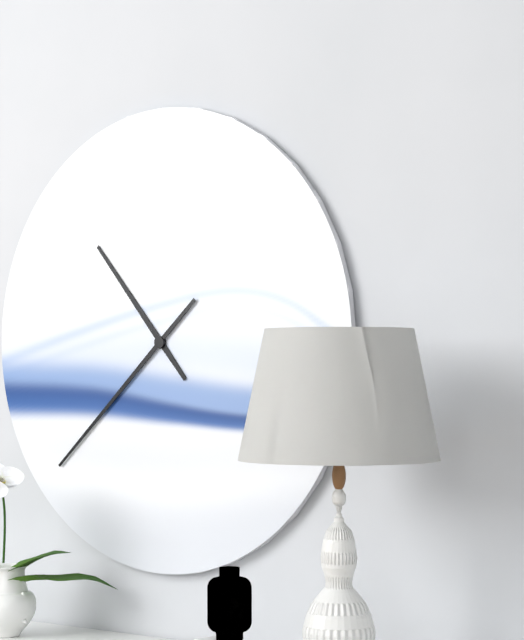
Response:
10,38
